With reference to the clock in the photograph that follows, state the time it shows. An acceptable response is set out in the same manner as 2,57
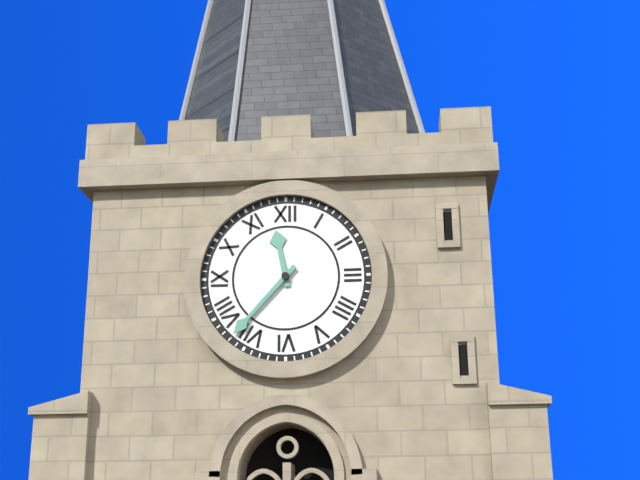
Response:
11,37
